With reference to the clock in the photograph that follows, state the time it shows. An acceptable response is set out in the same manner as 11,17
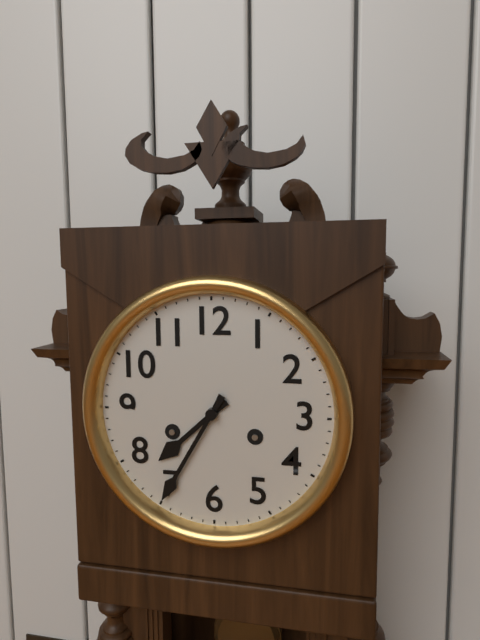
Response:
7,35
